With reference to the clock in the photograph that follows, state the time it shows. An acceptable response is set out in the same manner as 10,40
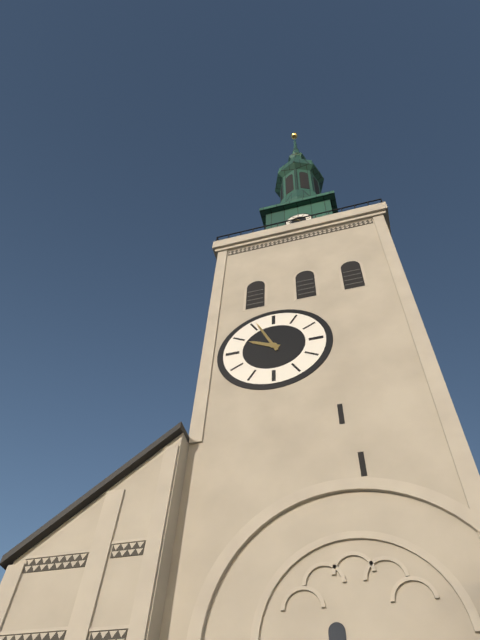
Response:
9,56
